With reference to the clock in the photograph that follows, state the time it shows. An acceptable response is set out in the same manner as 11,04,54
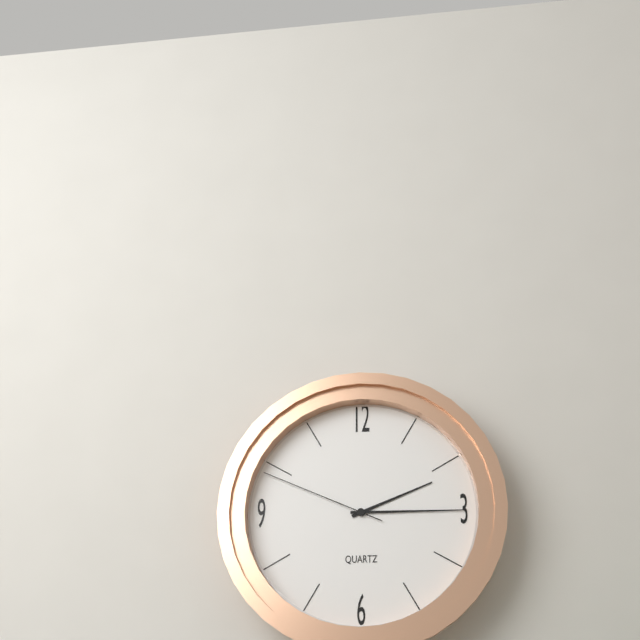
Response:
2,15,49
